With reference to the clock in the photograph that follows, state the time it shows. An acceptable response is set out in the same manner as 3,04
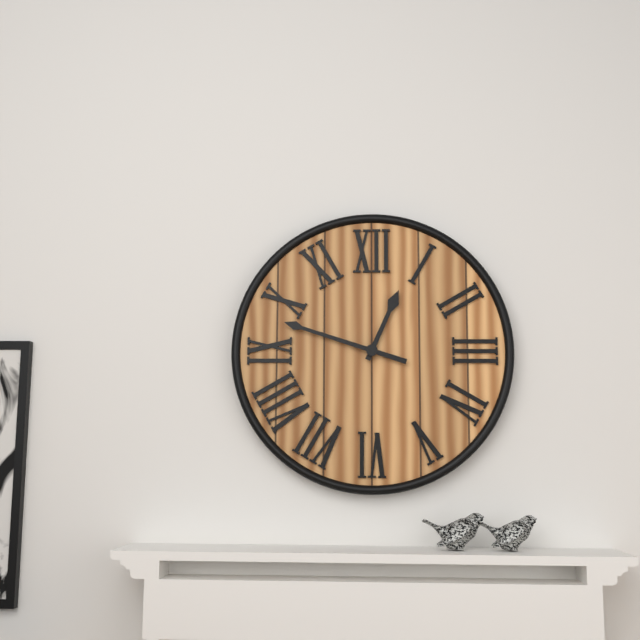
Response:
12,48
